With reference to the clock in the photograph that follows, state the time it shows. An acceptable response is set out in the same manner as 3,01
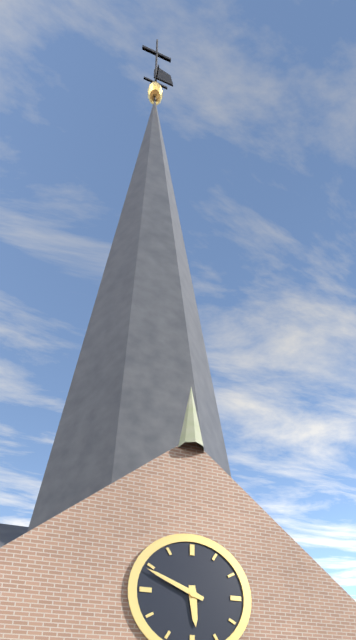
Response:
5,49
